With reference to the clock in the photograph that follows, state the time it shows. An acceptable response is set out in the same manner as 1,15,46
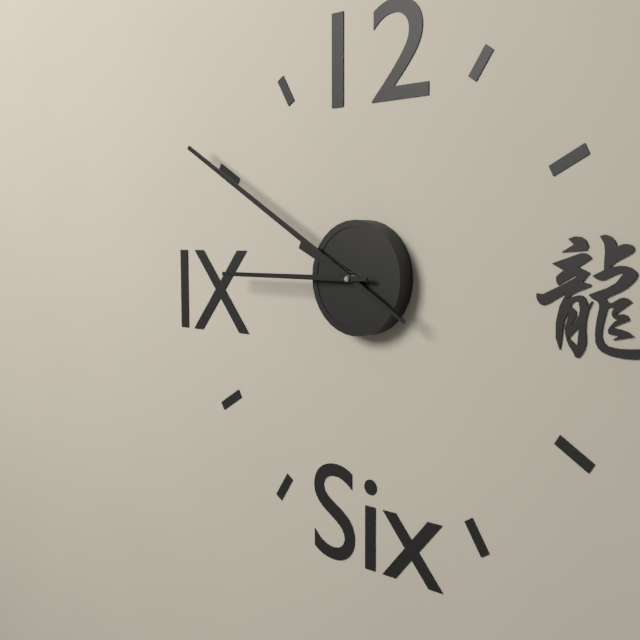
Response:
9,50,45
